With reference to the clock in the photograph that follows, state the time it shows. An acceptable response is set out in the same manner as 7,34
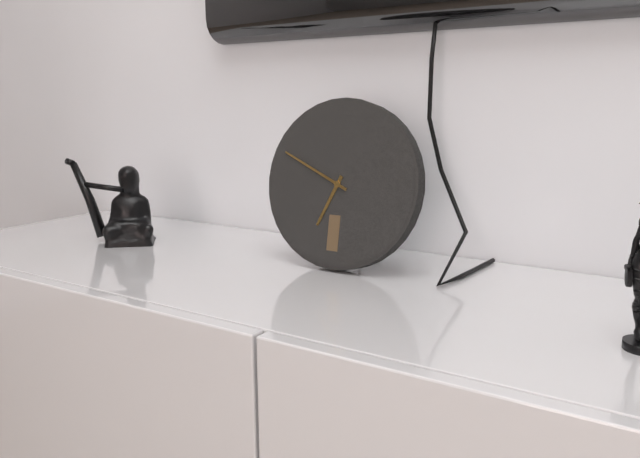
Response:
6,49
